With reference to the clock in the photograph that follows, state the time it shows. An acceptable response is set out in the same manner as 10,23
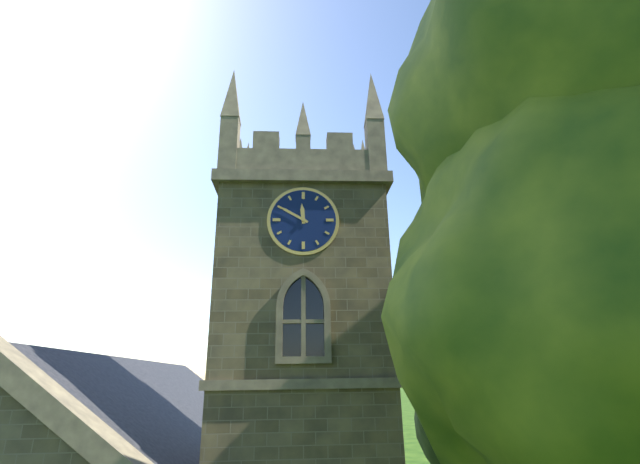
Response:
11,50
